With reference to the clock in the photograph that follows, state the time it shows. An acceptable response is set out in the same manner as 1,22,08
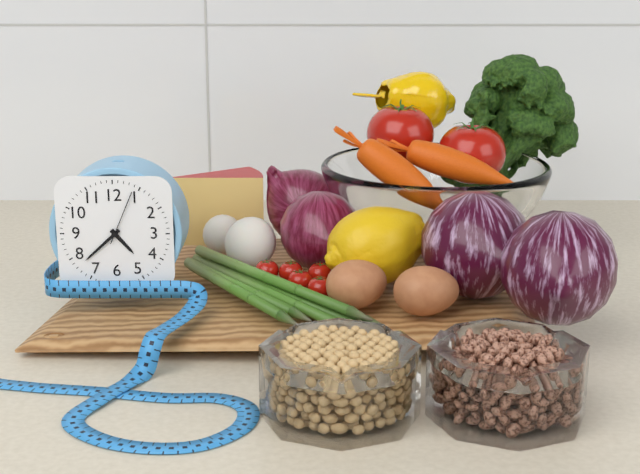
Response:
4,38,04
